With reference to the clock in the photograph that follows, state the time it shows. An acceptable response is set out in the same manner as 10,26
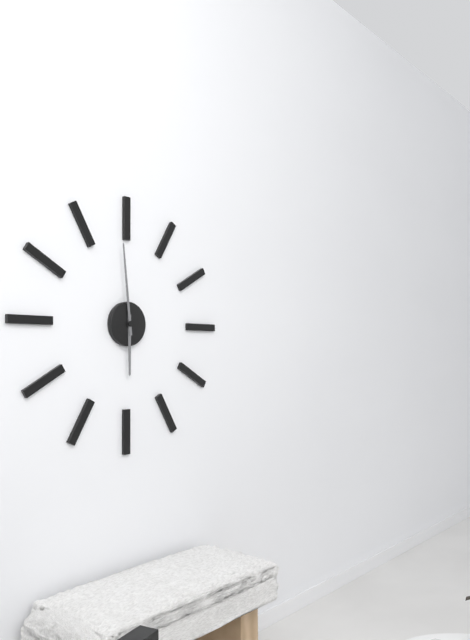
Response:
5,59
